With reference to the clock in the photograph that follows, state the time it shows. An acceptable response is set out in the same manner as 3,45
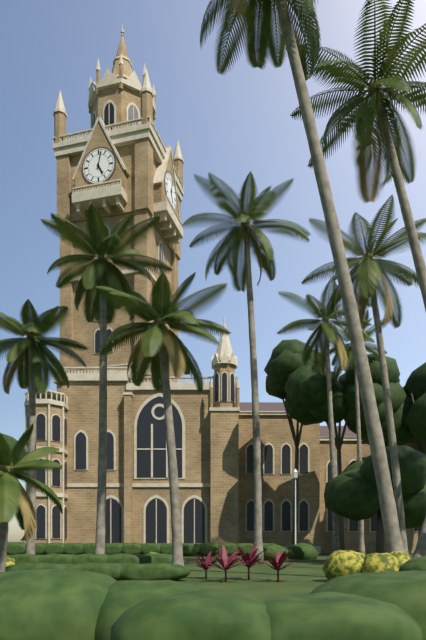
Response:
5,02
